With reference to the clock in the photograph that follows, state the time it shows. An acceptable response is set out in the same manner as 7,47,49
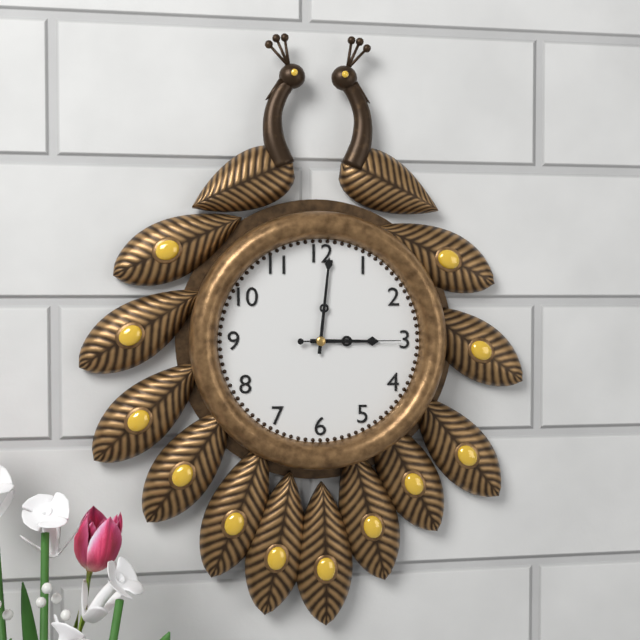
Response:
3,01,15
